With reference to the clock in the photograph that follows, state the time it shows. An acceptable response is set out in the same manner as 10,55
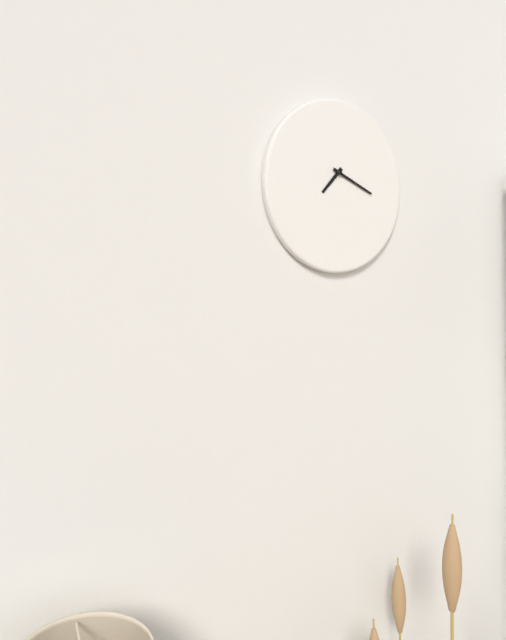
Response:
7,19
